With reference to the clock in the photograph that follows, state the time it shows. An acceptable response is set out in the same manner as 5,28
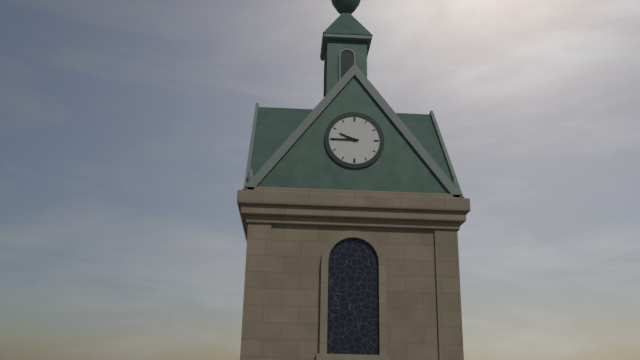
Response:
9,45
